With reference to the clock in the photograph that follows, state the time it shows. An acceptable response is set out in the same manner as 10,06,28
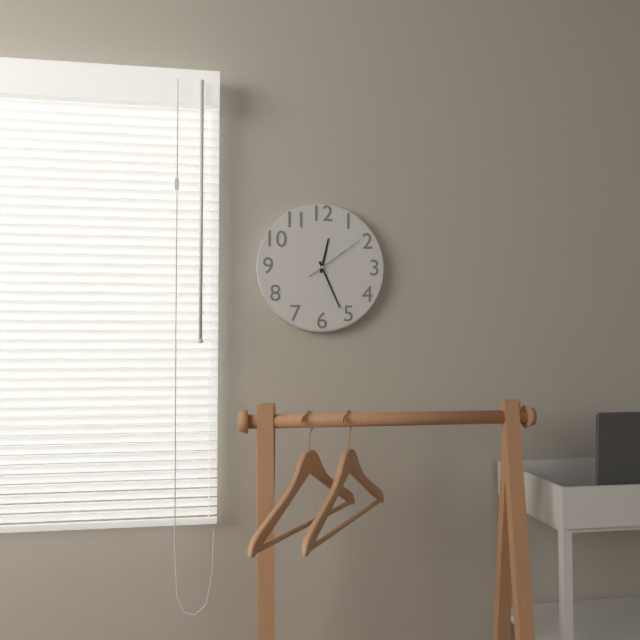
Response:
12,26,09
